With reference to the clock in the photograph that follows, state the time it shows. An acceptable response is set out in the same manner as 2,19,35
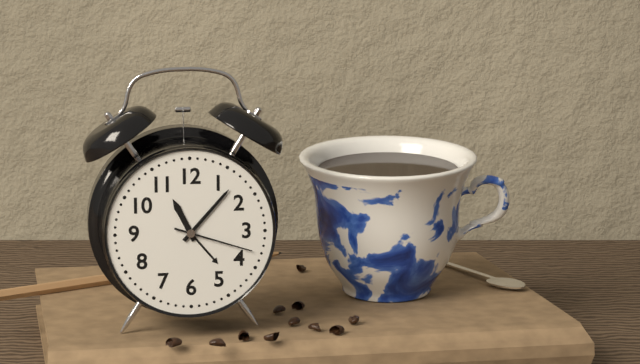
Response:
11,07,18
